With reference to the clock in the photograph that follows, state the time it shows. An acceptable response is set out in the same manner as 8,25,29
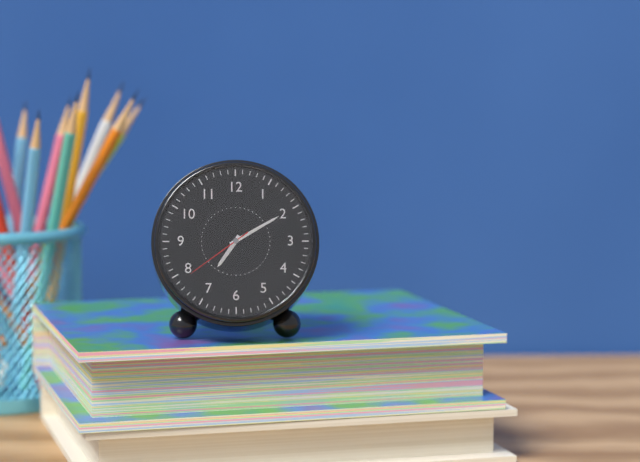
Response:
7,10,39
